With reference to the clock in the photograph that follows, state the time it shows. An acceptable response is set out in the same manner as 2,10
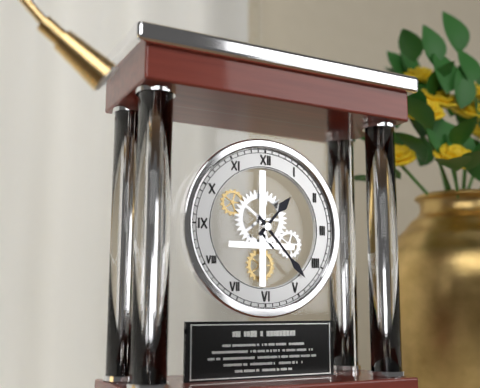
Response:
1,23
